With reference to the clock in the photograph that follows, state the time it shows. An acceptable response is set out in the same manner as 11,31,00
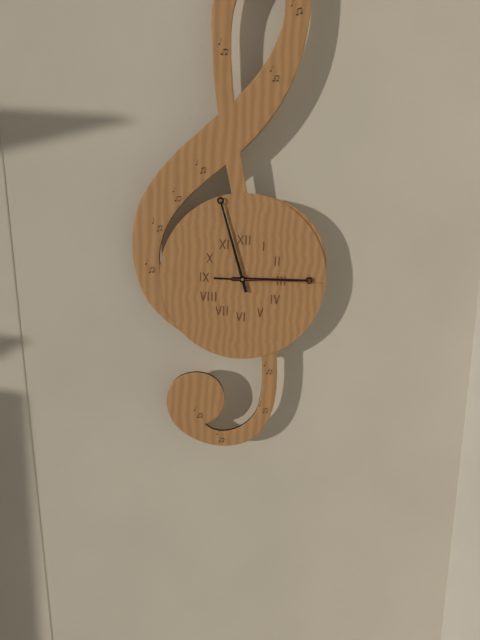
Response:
2,57,15
